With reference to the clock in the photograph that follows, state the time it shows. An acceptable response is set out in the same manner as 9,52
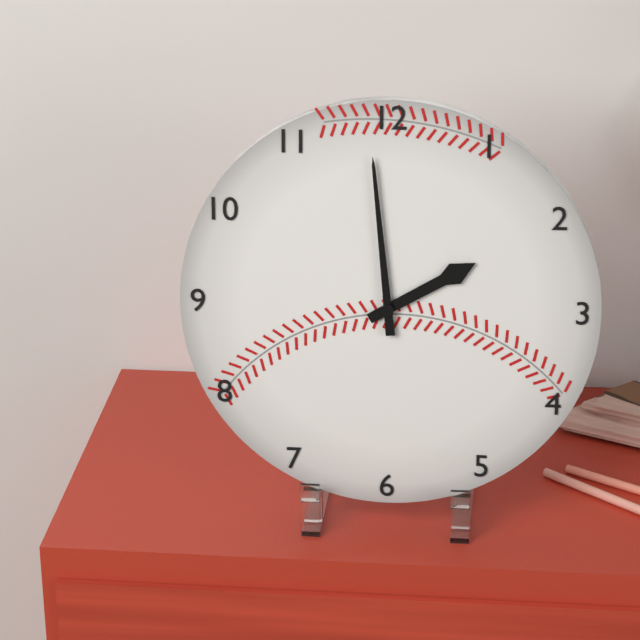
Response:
1,59
